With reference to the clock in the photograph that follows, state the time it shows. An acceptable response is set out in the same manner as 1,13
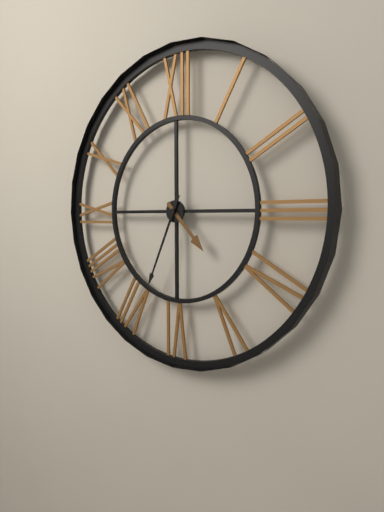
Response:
4,34
